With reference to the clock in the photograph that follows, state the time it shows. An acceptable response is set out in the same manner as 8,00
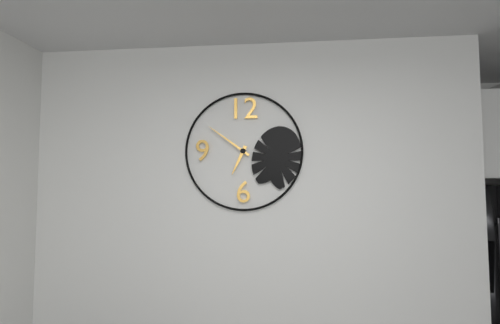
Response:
6,51
